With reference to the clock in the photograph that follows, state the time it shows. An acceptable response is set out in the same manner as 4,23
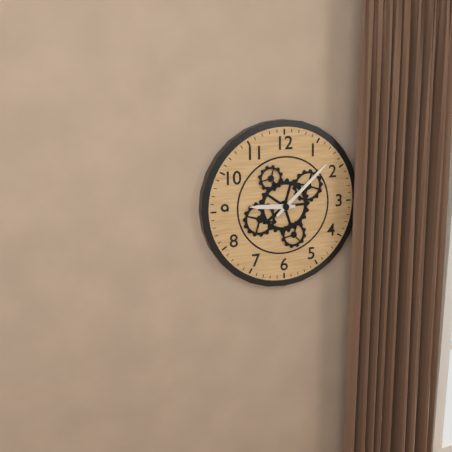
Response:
9,08
